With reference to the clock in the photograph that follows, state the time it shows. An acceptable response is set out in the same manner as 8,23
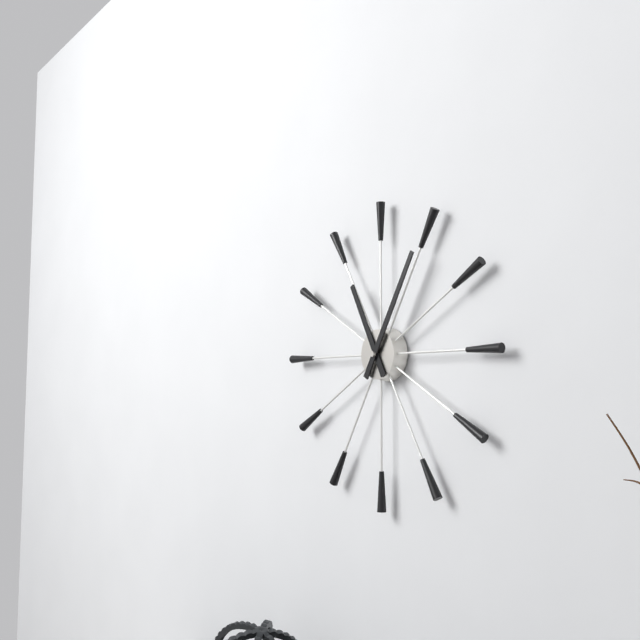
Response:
11,05
